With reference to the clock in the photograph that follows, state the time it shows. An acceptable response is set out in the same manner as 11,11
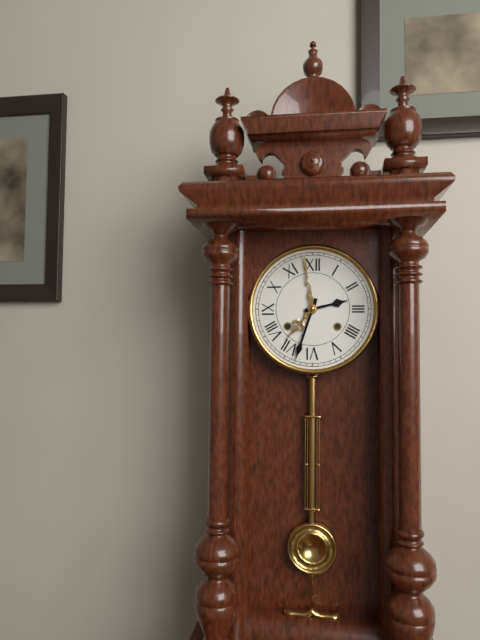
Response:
2,33
